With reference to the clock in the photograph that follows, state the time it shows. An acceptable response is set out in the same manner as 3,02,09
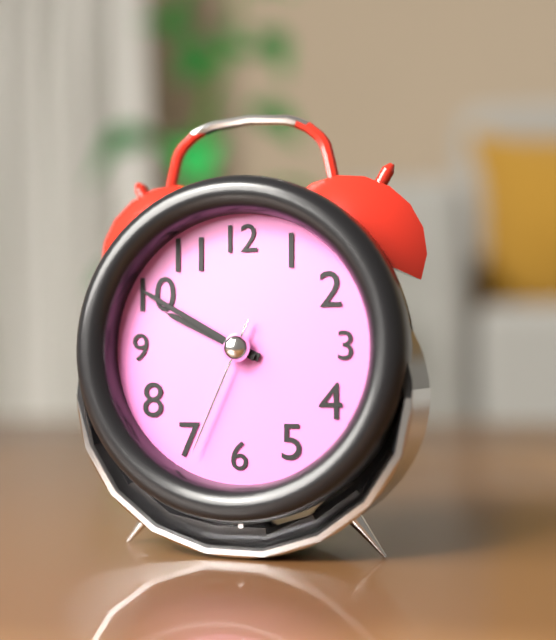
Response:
9,50,34
